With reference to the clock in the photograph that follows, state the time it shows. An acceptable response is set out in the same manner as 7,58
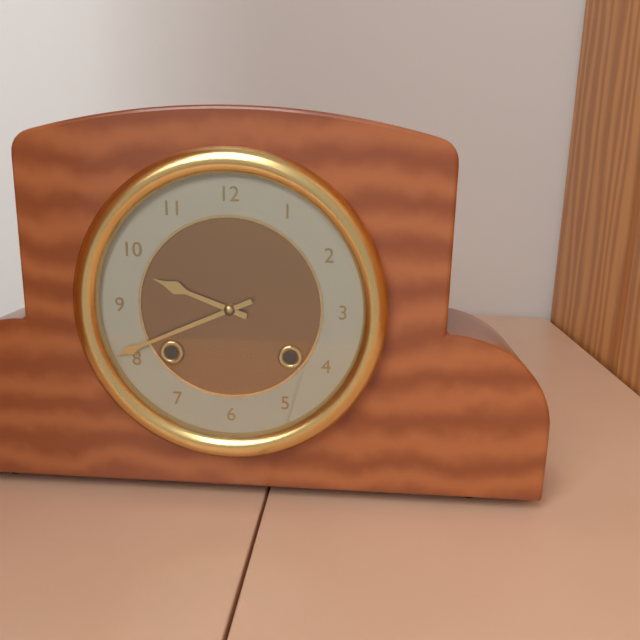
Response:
9,41
